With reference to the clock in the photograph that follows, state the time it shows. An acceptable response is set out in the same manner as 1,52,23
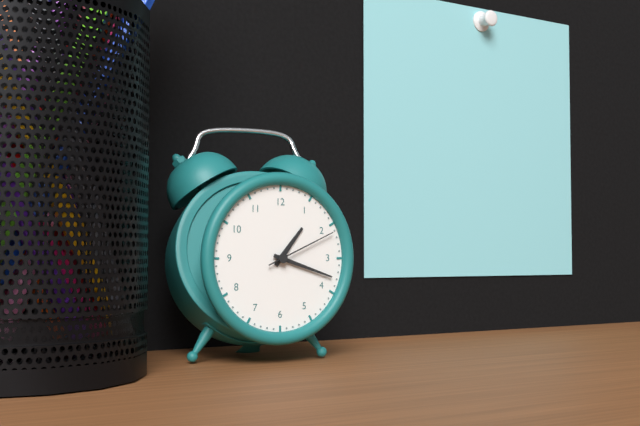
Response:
1,18,11
